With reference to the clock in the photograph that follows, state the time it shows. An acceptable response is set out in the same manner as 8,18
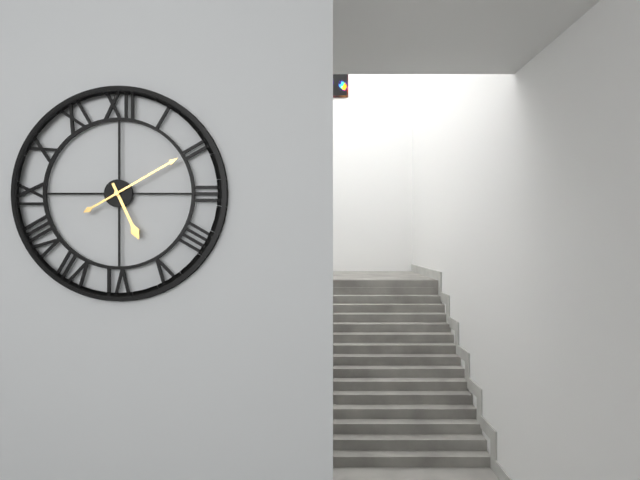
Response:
5,10
